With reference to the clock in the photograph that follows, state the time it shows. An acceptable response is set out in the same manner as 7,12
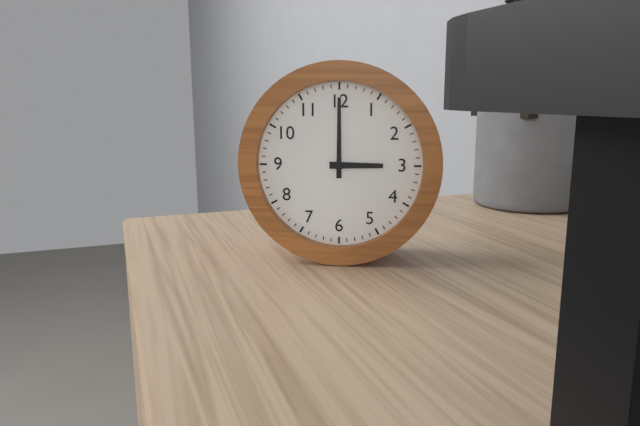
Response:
3,00
